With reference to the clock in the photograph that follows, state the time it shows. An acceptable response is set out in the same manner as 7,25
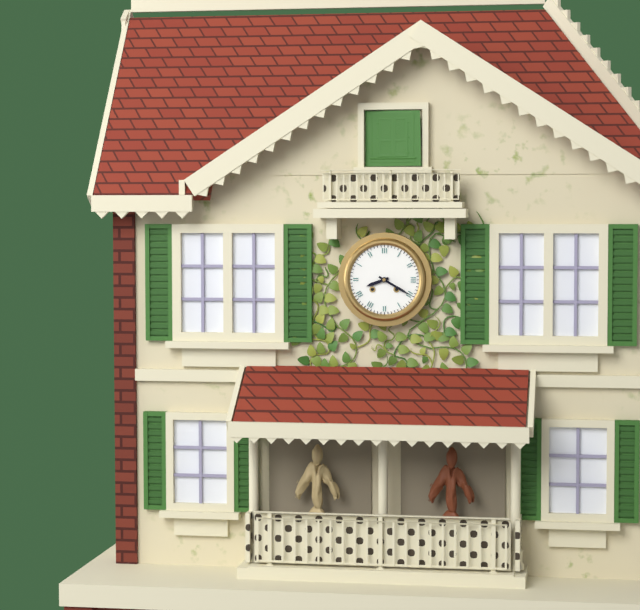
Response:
8,20
